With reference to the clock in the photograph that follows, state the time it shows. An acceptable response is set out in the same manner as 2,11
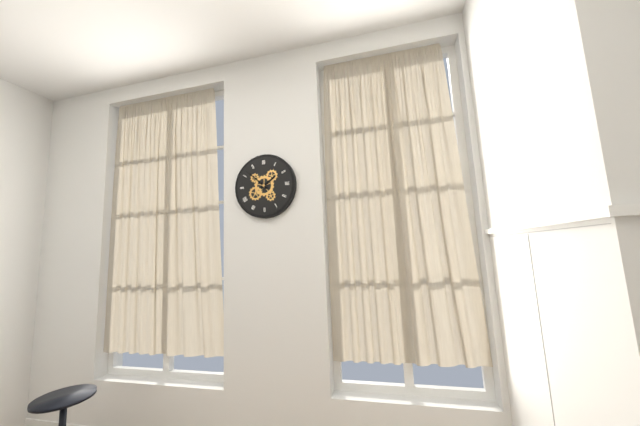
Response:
1,52
